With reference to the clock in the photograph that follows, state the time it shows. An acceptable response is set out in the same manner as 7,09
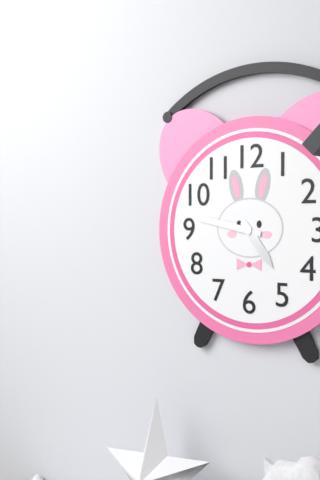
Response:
4,47
